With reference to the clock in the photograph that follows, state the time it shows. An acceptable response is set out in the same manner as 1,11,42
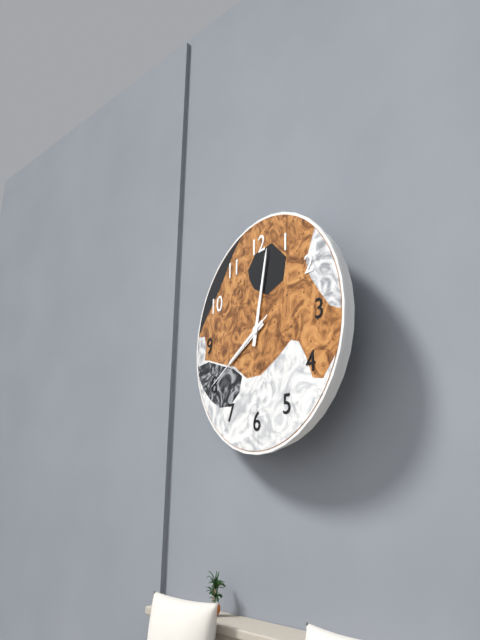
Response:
8,02,40
